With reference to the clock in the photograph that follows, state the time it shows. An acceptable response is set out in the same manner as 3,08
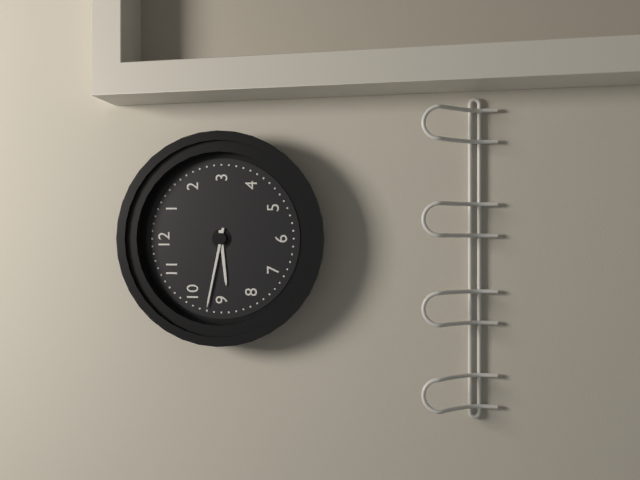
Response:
8,47
